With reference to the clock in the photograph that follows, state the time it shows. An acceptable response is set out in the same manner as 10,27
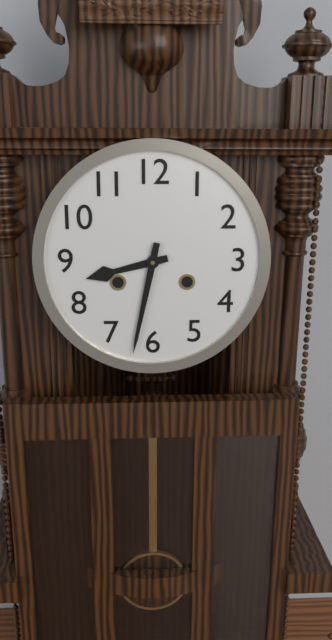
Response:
8,32
